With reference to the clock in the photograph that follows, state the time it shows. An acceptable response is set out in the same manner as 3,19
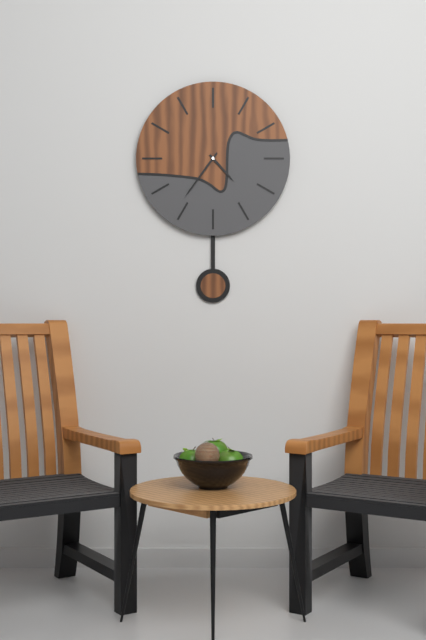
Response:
4,36
